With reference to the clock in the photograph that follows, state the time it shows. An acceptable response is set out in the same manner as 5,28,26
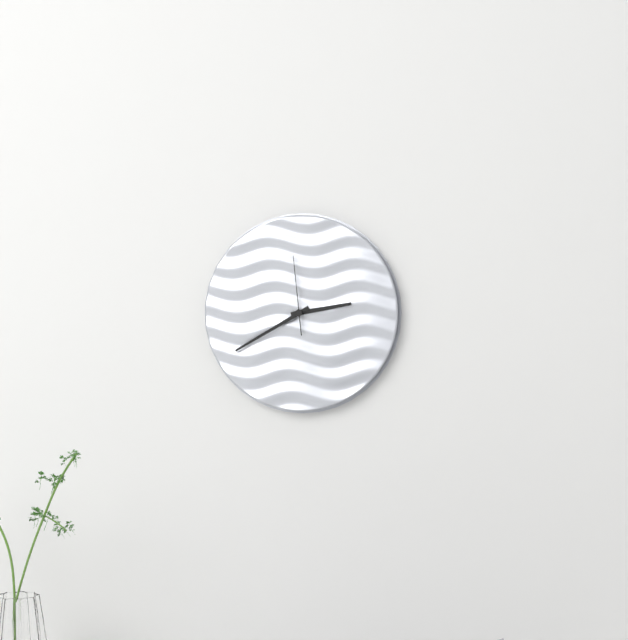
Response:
2,40,59
